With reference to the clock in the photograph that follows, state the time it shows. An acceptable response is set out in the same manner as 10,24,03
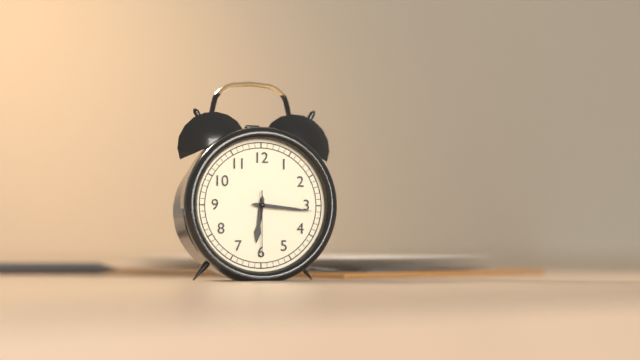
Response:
6,16,30
